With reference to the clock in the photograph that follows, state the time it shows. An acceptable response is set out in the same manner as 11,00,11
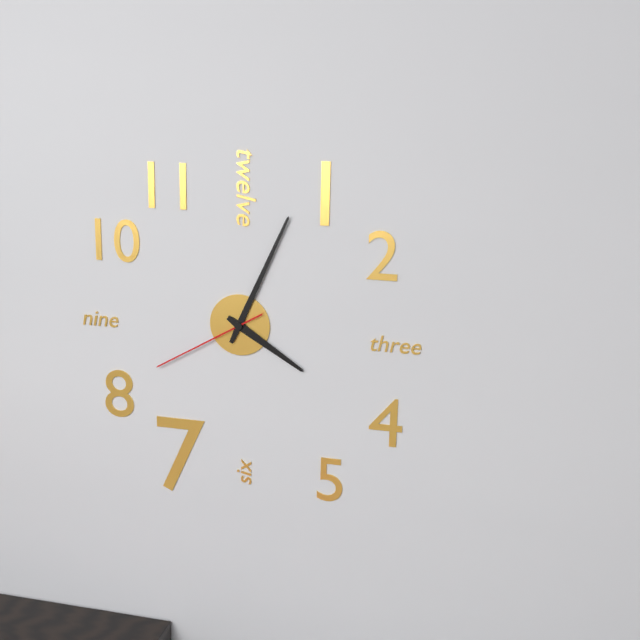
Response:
4,04,40
